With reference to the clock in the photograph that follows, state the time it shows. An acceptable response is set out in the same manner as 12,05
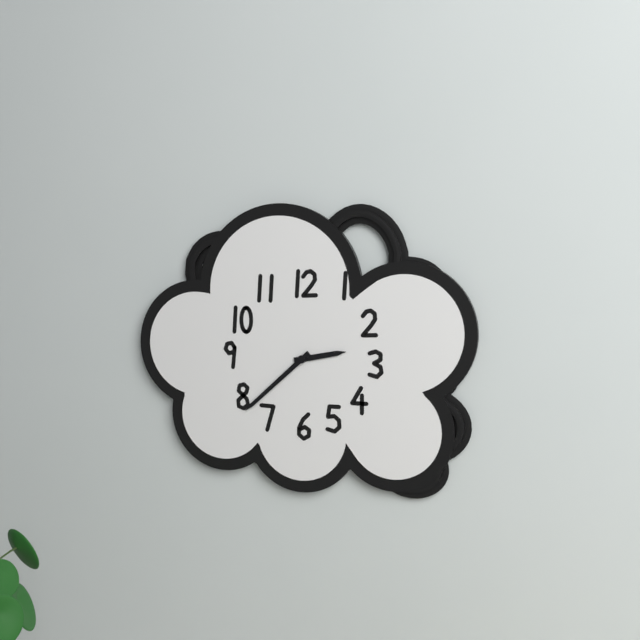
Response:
2,38
